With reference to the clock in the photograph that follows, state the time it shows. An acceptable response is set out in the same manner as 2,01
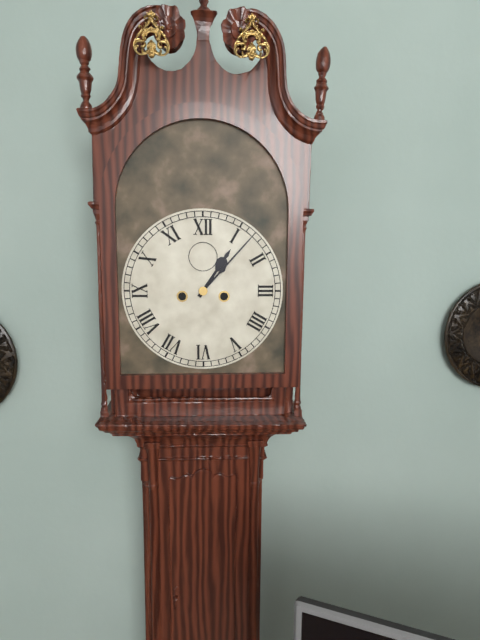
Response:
1,07
